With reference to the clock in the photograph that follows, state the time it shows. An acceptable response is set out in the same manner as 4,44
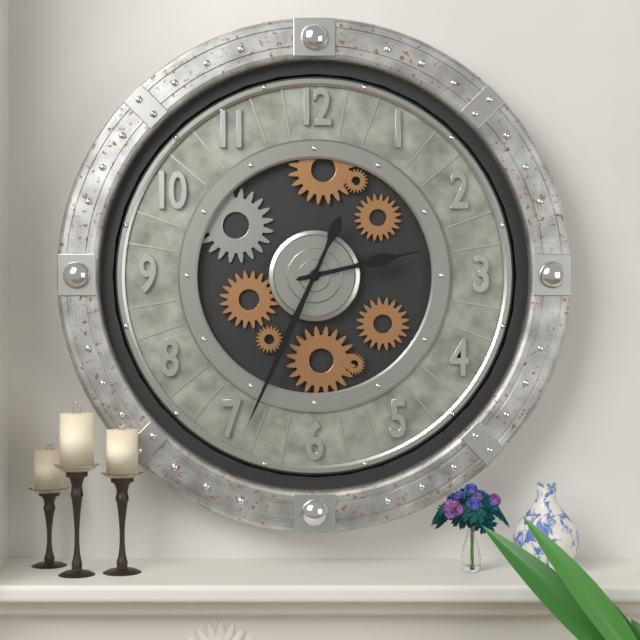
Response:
2,34
